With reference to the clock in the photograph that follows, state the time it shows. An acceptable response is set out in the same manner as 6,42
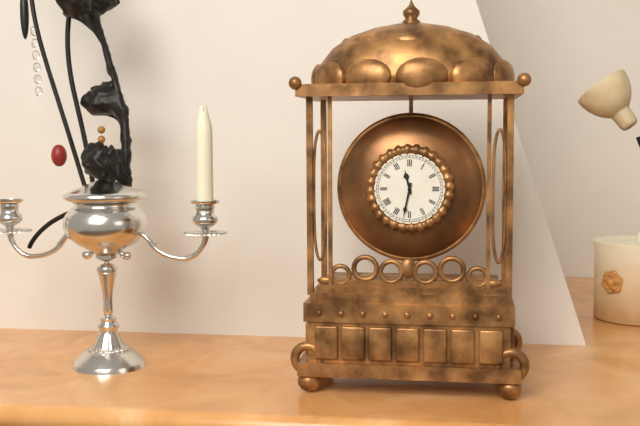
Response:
11,32
